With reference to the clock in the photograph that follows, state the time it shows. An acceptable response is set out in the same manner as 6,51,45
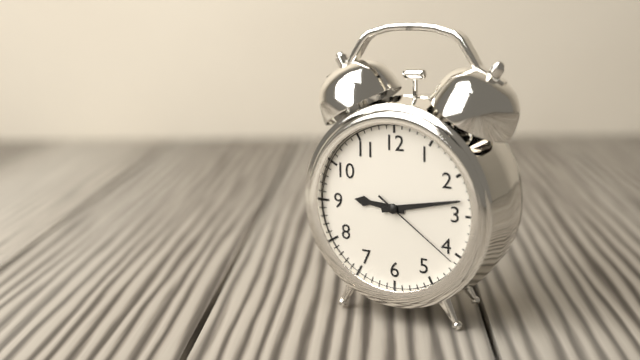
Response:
9,13,21
